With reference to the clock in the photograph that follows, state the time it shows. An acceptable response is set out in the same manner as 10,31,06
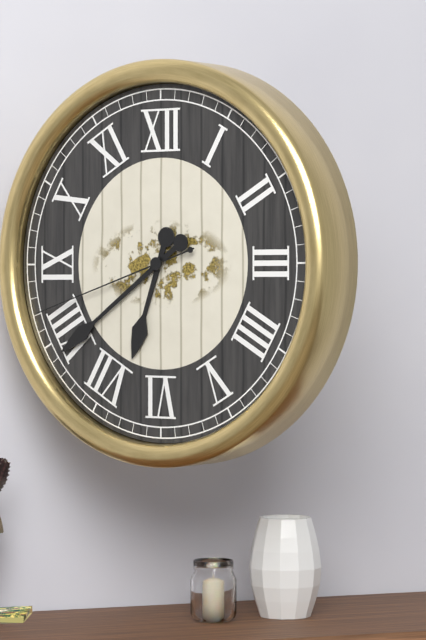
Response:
6,39,42
